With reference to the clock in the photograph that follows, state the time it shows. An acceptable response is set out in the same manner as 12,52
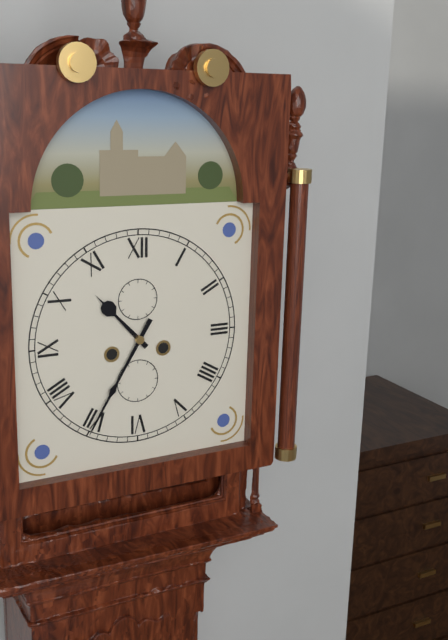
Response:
10,35
